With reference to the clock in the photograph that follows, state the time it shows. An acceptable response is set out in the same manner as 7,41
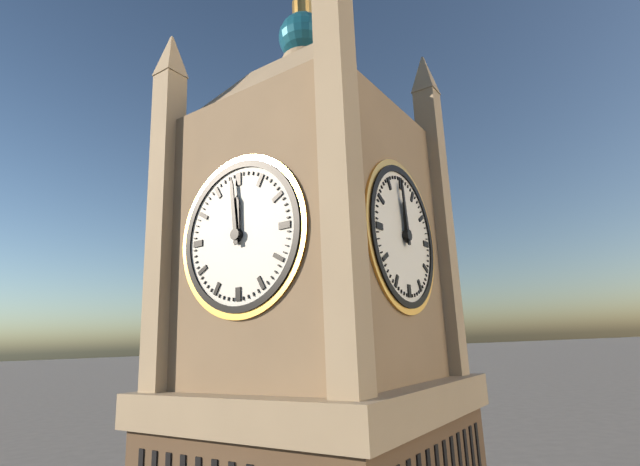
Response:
11,59
